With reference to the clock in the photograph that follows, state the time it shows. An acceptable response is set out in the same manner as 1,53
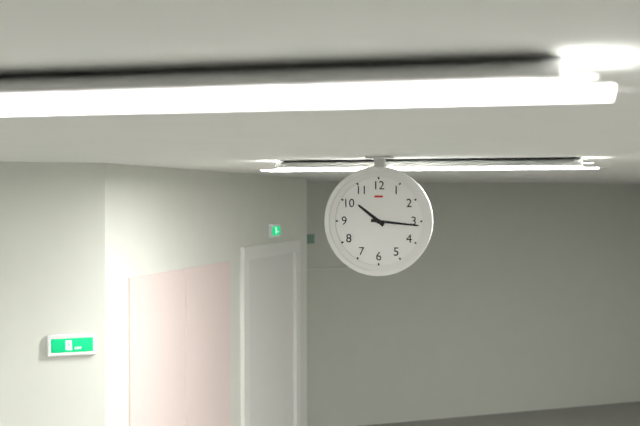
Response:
10,16
